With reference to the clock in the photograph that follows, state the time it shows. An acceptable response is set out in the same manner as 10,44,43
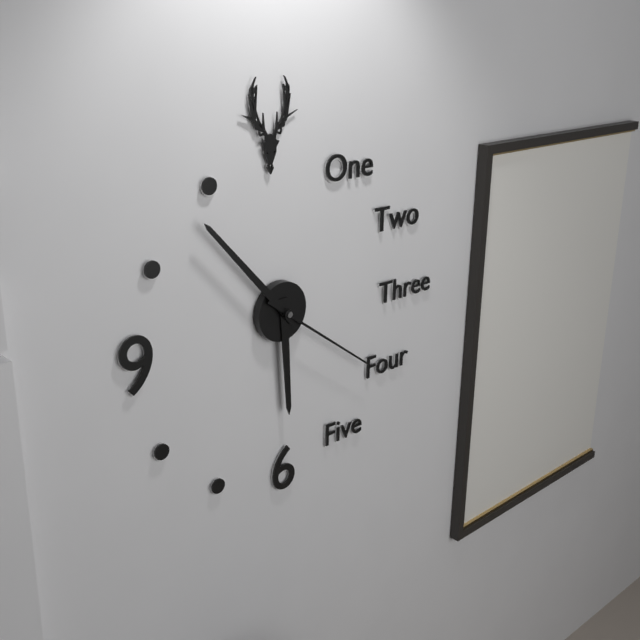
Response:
5,53,21
